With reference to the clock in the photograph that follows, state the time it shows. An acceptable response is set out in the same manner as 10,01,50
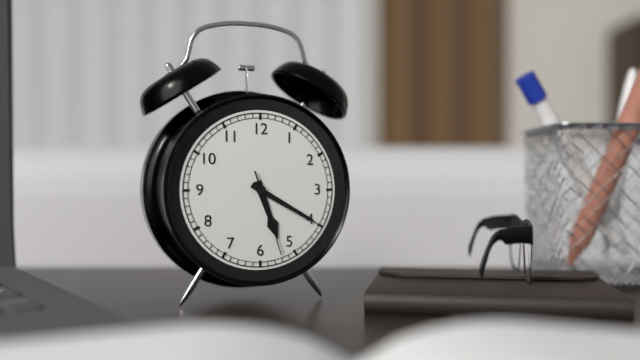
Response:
5,20,27
